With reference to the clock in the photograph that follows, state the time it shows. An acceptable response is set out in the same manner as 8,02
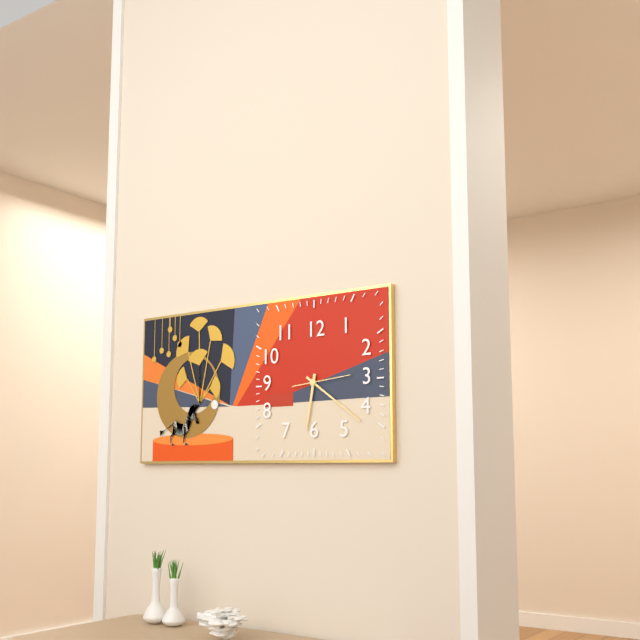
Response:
6,21
